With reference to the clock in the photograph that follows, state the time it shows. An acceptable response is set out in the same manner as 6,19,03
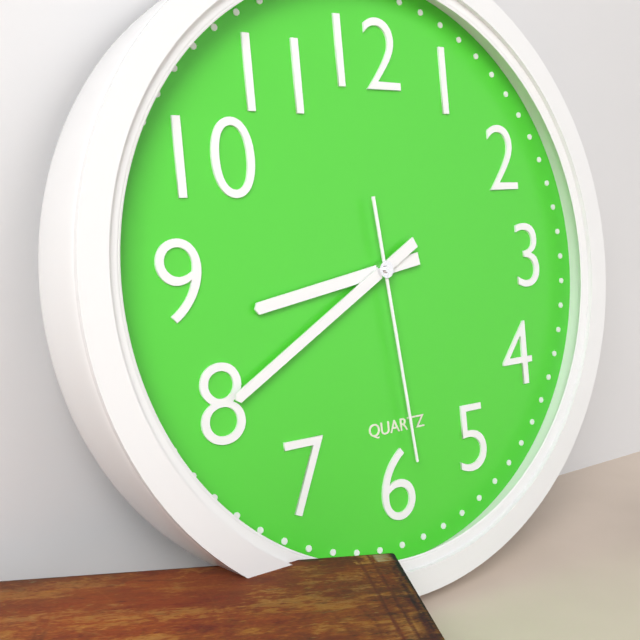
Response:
8,40,29
